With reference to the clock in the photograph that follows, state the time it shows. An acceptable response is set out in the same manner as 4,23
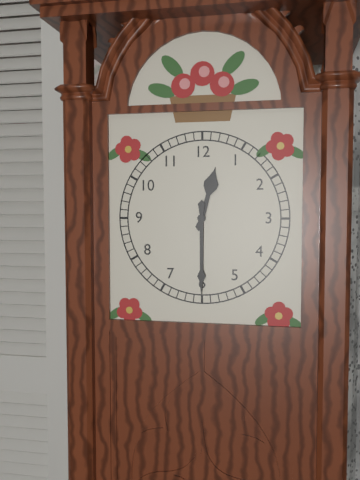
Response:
12,30
